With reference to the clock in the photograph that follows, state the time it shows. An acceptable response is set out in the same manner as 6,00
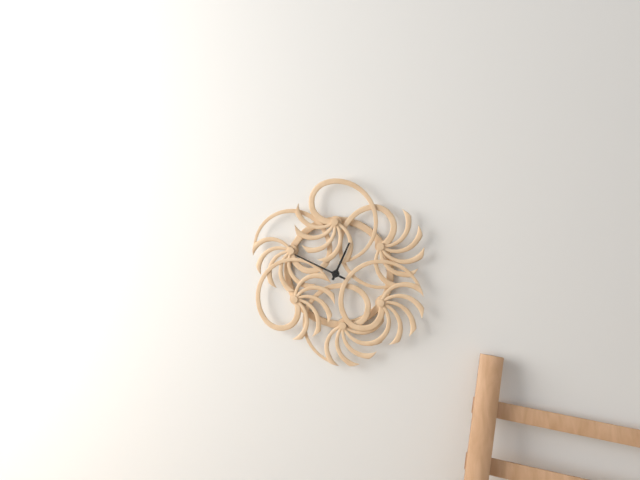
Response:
12,49
